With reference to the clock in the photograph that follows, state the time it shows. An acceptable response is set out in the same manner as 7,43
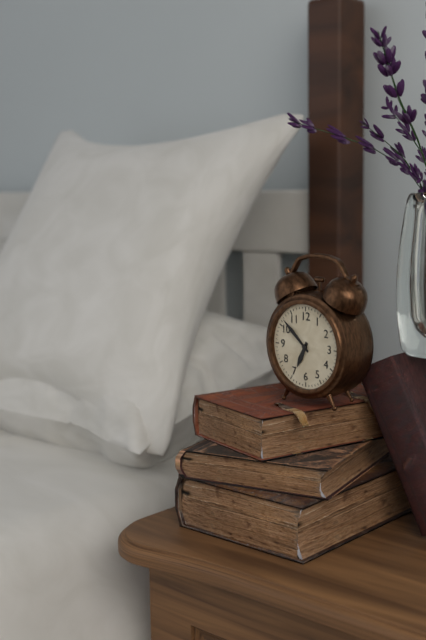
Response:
6,52
